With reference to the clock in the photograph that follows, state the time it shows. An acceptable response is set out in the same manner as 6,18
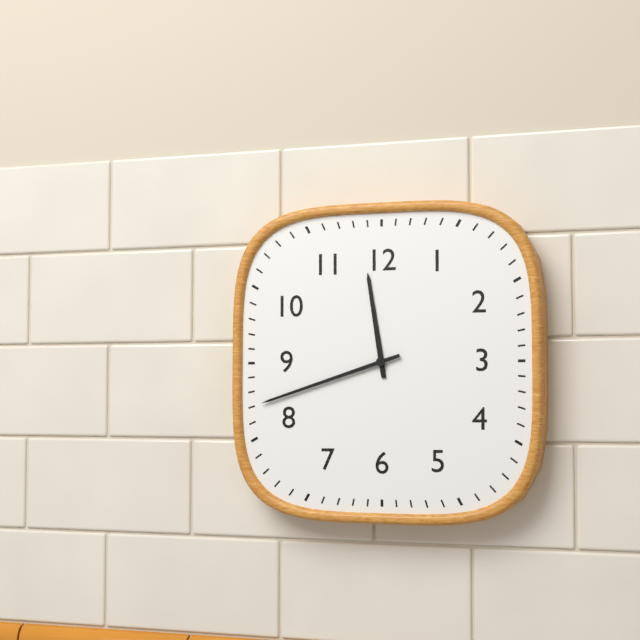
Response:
11,42
